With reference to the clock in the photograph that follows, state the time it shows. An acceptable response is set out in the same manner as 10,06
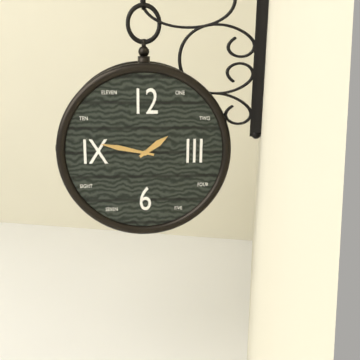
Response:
1,47
